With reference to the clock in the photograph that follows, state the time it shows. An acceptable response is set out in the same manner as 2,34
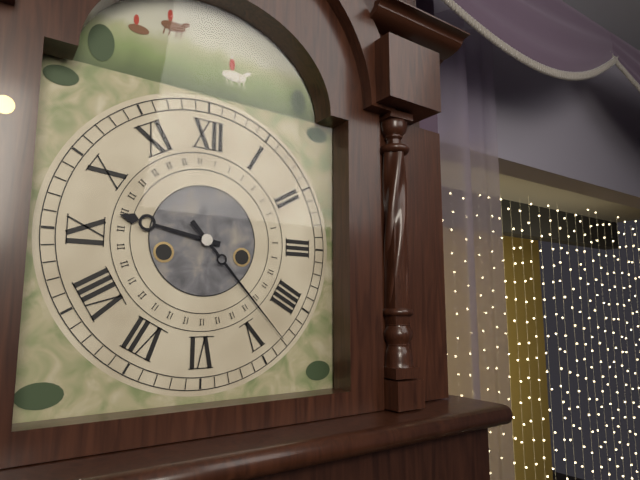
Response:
9,23
